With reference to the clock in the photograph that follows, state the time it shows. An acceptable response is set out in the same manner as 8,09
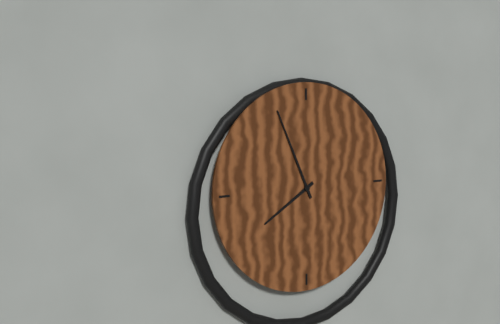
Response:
7,56
